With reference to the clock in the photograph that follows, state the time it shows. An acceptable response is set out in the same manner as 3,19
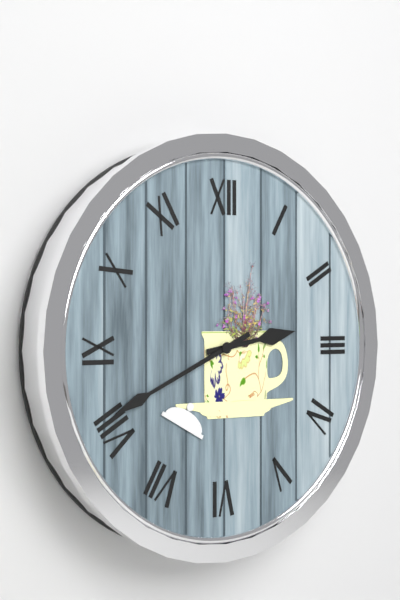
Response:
2,41
